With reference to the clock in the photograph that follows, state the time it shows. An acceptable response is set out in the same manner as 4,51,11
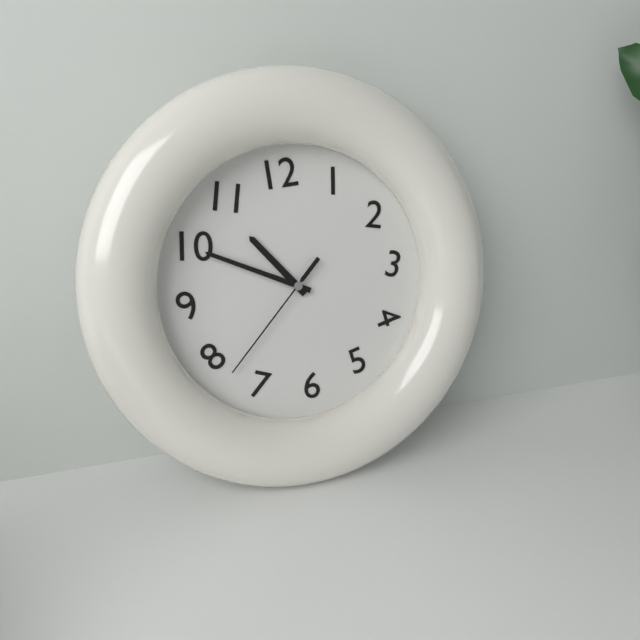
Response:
10,50,38
